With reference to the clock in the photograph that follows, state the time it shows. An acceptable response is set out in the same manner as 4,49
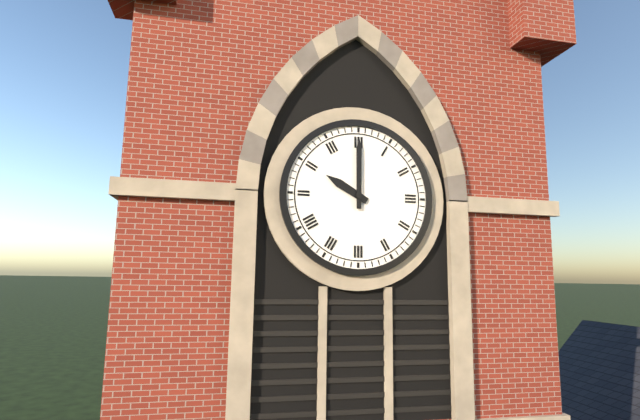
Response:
10,00
